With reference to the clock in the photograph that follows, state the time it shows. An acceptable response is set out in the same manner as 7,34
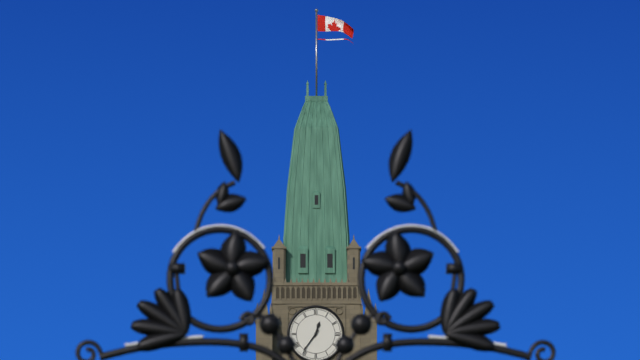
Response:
12,36
